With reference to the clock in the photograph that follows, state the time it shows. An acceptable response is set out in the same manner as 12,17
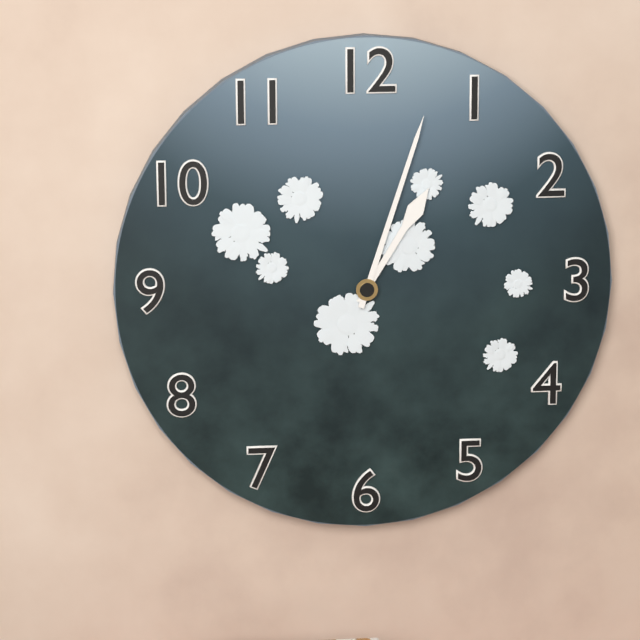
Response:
1,03
